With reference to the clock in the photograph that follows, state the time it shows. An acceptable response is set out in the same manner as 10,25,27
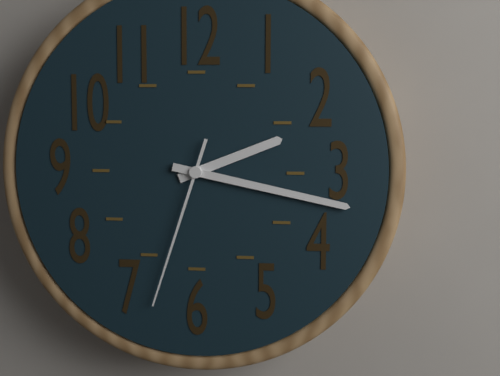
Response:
2,17,33
